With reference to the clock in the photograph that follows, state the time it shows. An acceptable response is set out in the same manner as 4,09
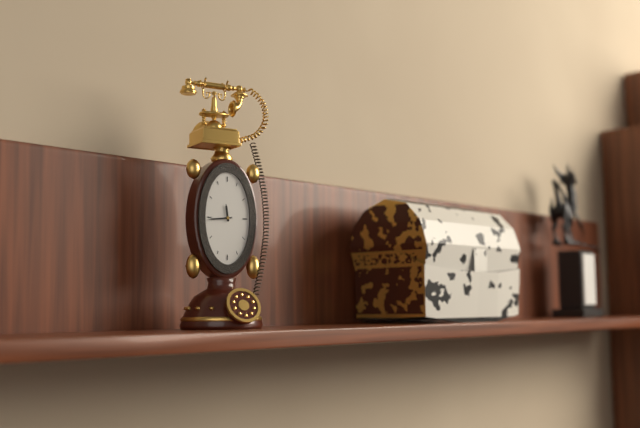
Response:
11,44
